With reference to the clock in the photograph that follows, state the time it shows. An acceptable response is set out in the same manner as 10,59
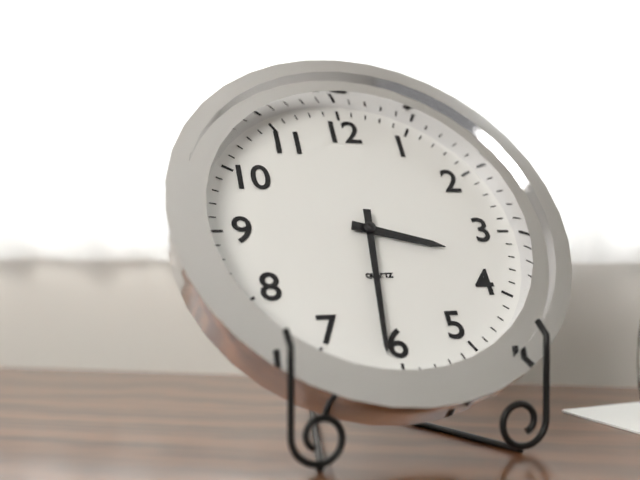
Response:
3,31
